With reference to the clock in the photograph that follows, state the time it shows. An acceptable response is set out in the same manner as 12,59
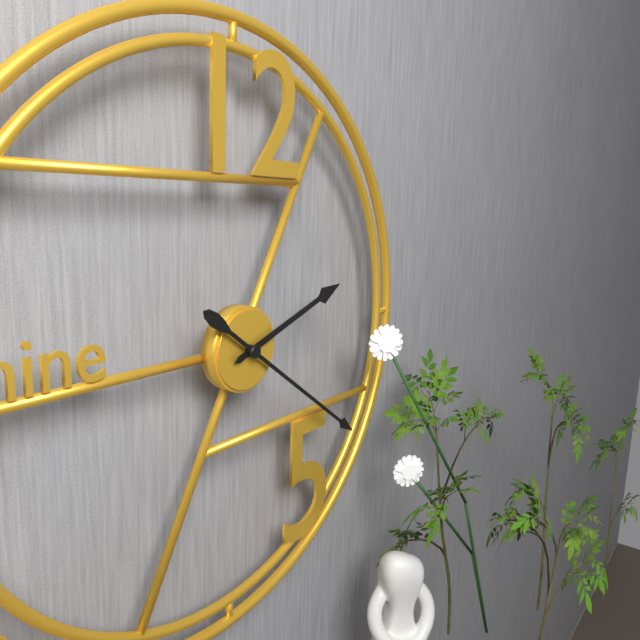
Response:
2,21
